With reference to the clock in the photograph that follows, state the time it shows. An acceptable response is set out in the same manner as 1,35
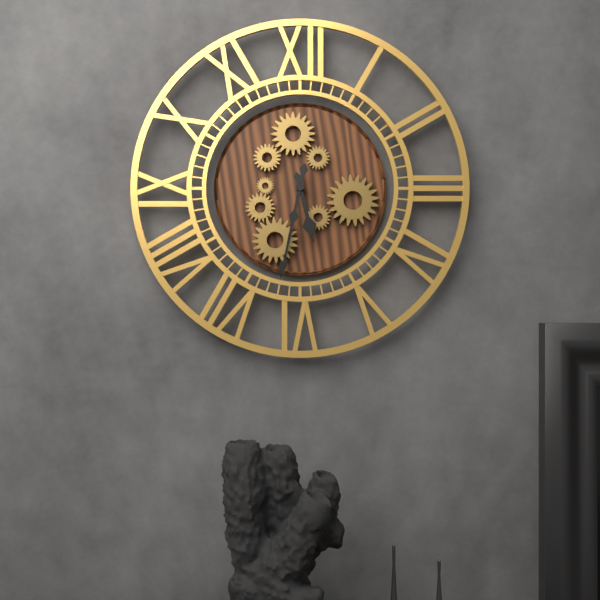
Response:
5,32
